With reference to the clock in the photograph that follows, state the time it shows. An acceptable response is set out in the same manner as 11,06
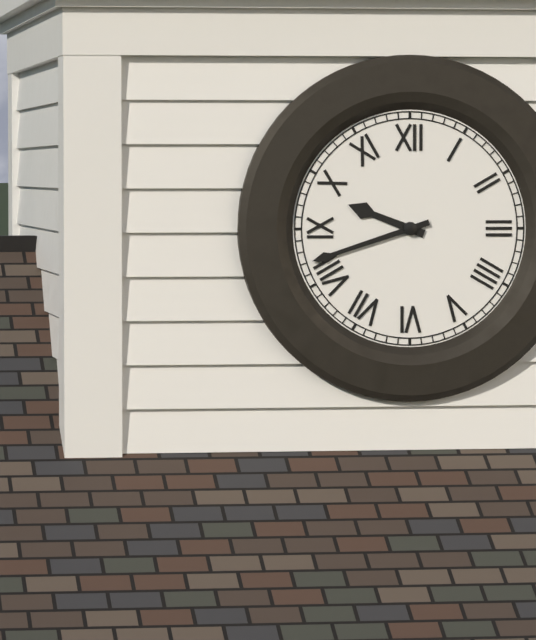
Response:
9,42
